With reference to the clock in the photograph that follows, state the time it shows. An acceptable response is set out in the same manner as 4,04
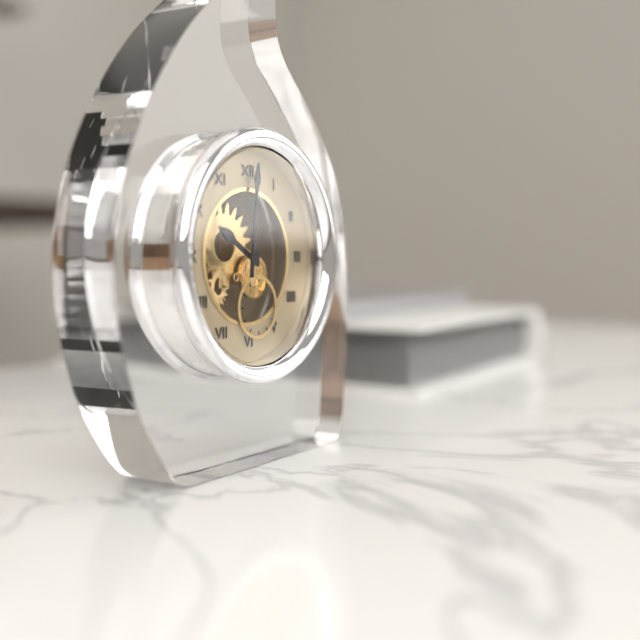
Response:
10,01
